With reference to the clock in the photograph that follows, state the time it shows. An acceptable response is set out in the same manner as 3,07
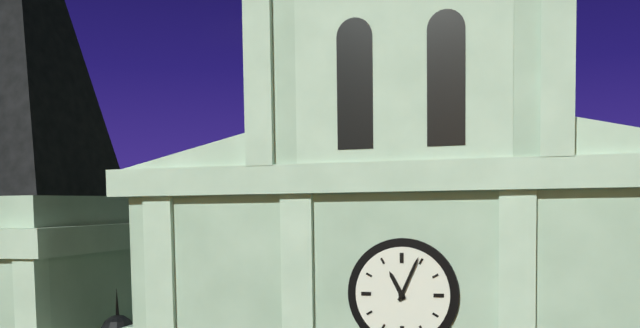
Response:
11,04
